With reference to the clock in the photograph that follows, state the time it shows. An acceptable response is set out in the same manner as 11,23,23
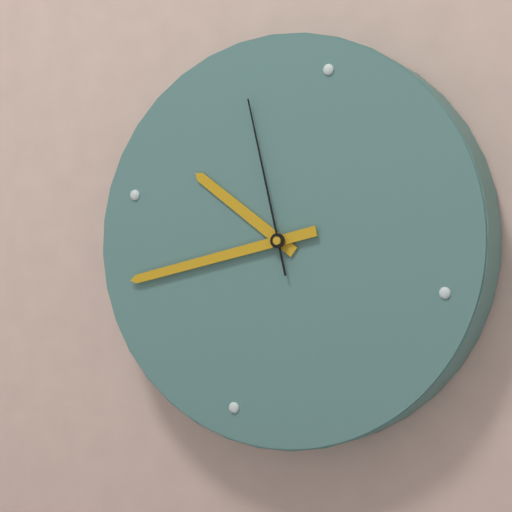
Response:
9,40,55
